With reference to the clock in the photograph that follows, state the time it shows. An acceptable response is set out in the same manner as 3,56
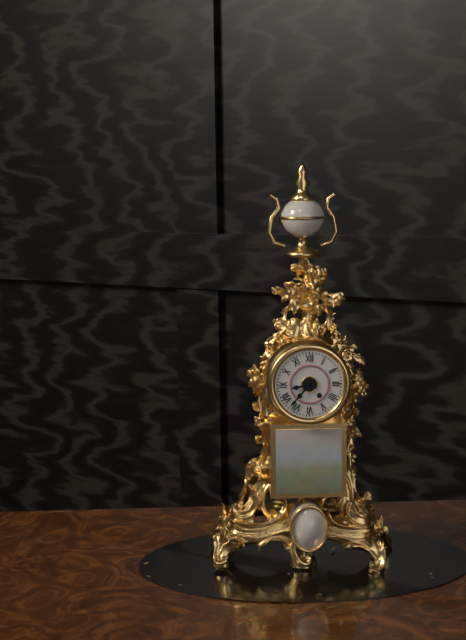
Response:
8,37
